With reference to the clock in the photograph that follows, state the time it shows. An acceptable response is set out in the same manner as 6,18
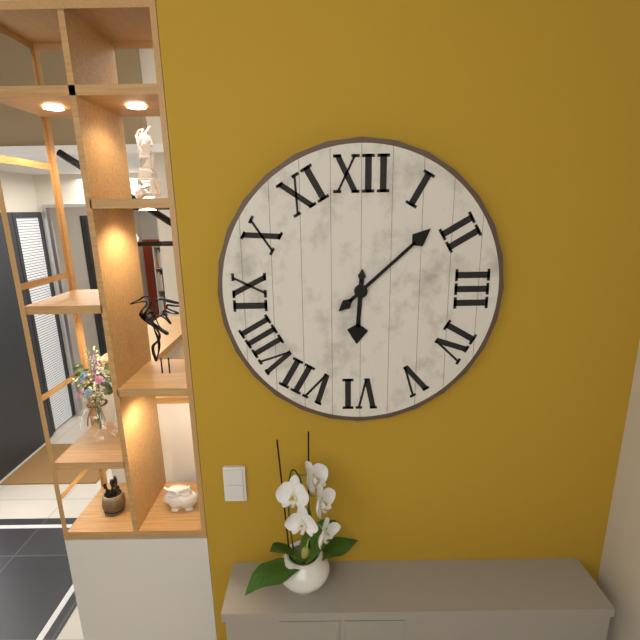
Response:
6,08
